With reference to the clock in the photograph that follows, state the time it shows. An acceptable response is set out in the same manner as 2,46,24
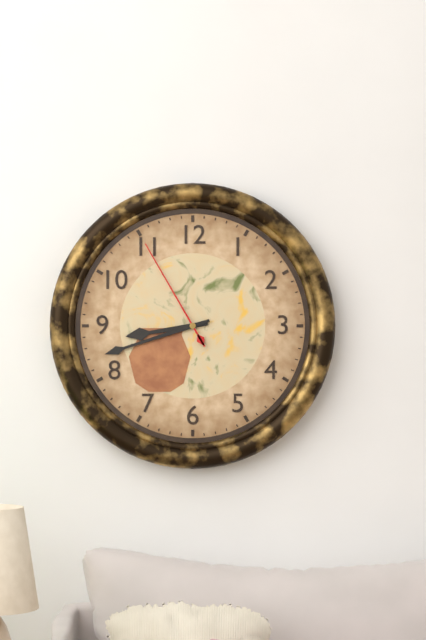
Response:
8,42,55
